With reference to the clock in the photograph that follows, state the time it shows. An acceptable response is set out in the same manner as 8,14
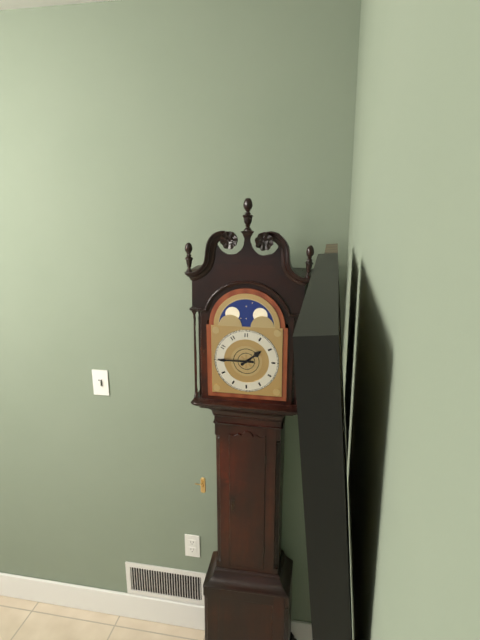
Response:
1,45
